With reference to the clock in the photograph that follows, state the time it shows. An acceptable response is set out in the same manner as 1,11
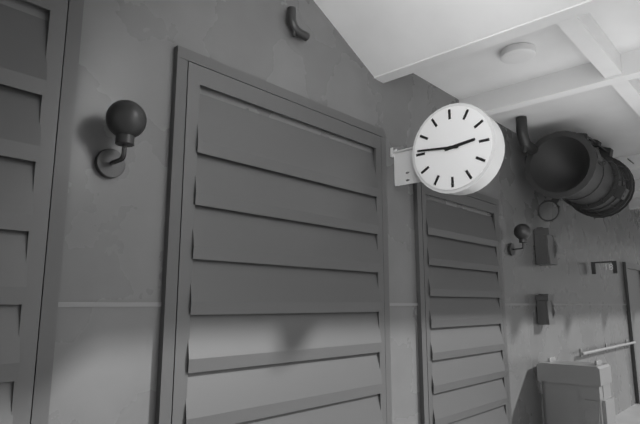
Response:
2,46
